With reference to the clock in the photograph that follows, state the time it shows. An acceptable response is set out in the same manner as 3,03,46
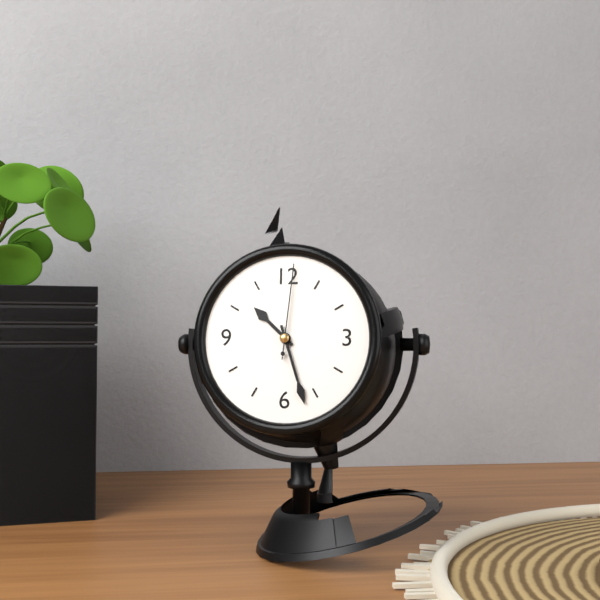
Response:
10,27,01
